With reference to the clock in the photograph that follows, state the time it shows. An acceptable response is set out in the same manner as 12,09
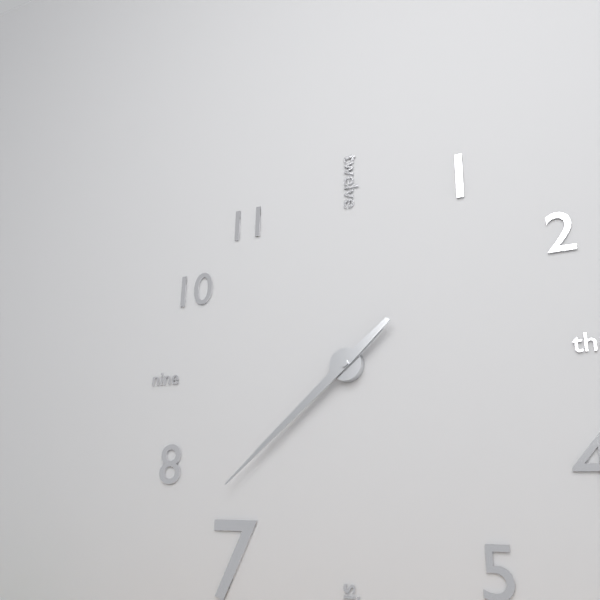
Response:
7,38
